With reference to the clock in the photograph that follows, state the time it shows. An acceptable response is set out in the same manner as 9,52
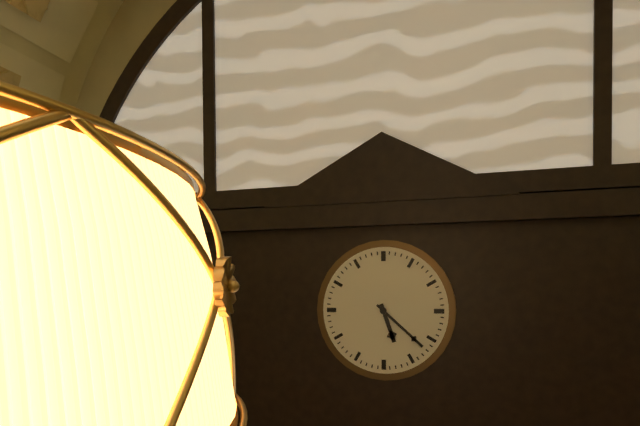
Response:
5,22
